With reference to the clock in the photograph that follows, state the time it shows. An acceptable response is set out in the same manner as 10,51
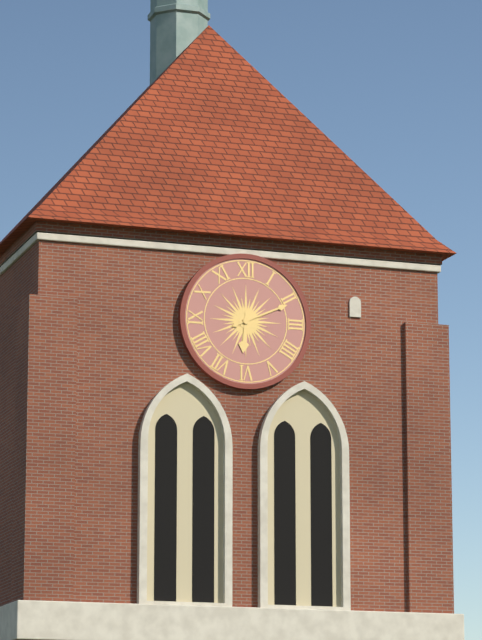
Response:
6,11
